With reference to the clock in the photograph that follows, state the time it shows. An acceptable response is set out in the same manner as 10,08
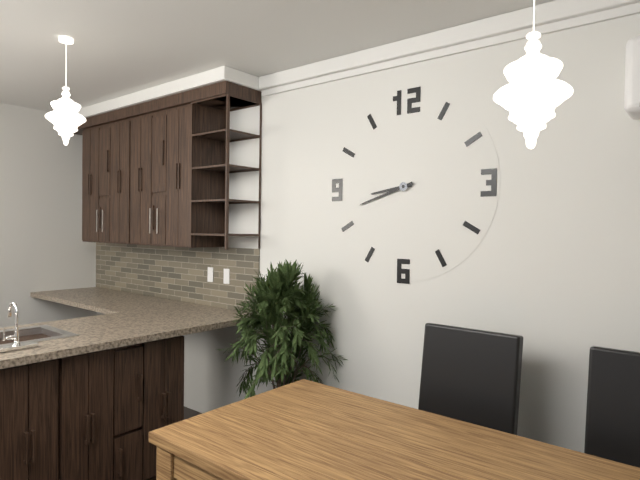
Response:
8,42
